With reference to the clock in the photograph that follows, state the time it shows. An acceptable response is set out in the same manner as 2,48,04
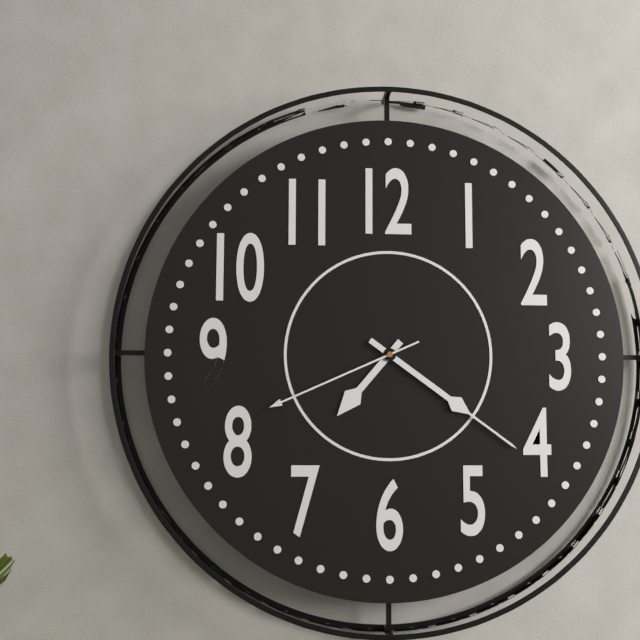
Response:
7,21,41
